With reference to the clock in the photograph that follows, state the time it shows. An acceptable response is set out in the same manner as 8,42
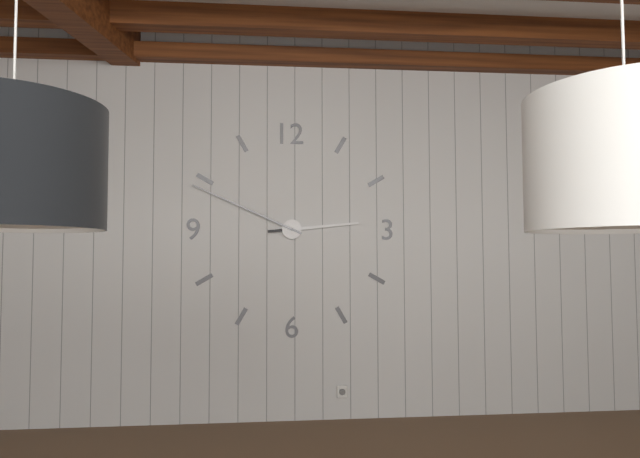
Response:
2,49
